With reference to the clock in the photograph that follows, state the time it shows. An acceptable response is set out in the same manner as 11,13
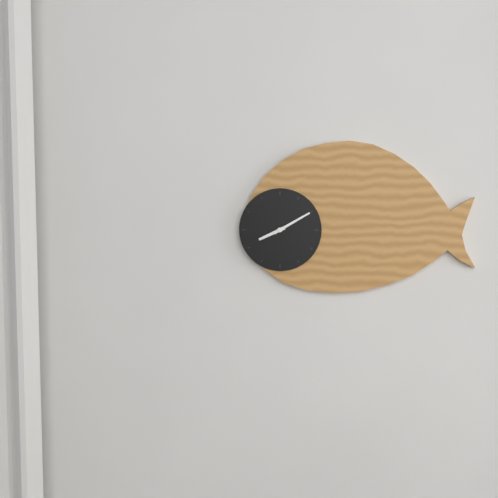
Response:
8,10
